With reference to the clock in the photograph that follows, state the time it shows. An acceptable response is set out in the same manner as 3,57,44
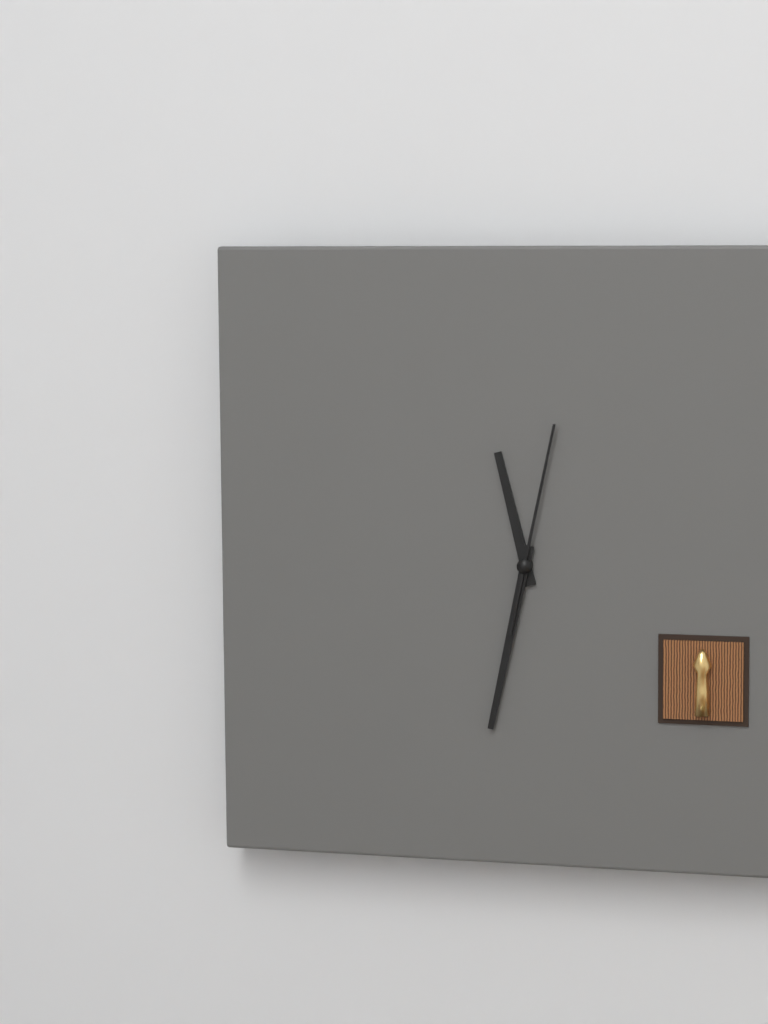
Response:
11,32,02
